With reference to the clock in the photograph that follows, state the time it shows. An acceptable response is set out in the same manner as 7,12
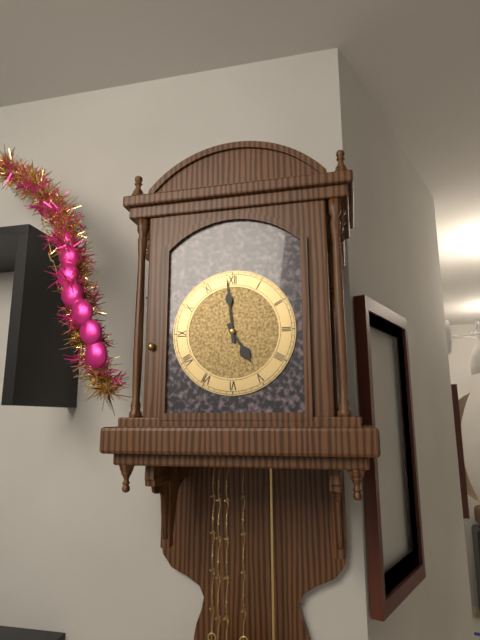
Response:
4,59
